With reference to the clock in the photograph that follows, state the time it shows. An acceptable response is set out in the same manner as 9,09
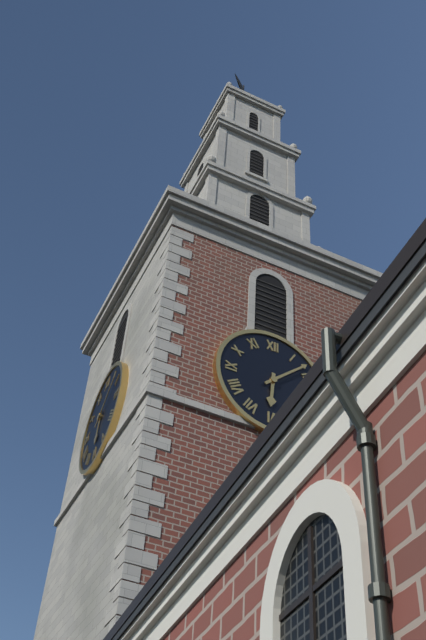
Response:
6,08
